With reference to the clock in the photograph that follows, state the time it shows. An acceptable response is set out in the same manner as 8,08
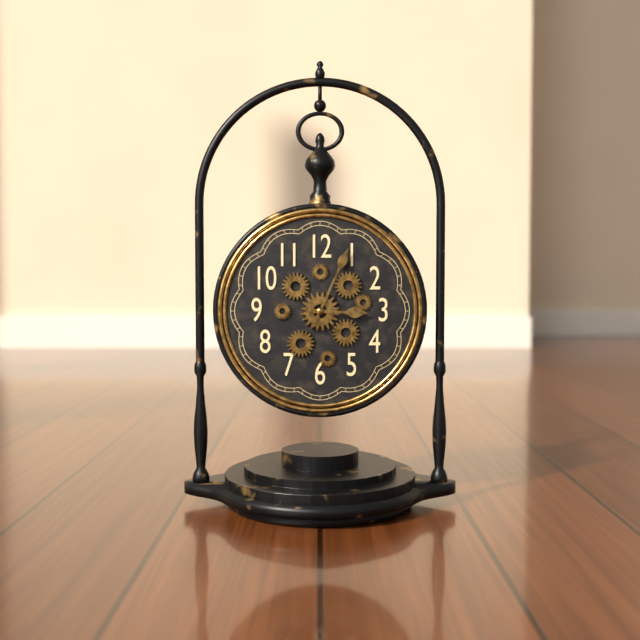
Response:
3,04
